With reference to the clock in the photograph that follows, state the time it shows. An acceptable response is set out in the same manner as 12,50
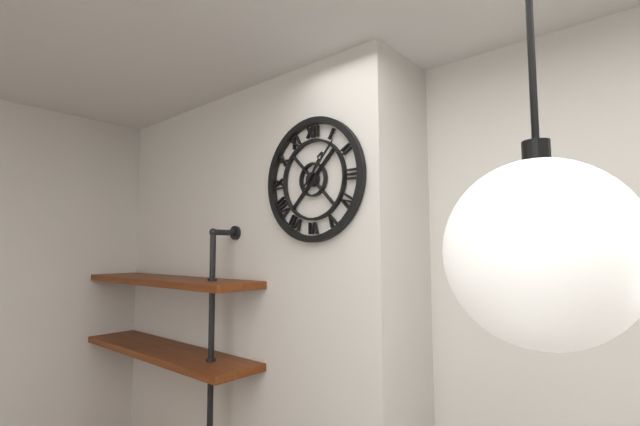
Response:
1,07
